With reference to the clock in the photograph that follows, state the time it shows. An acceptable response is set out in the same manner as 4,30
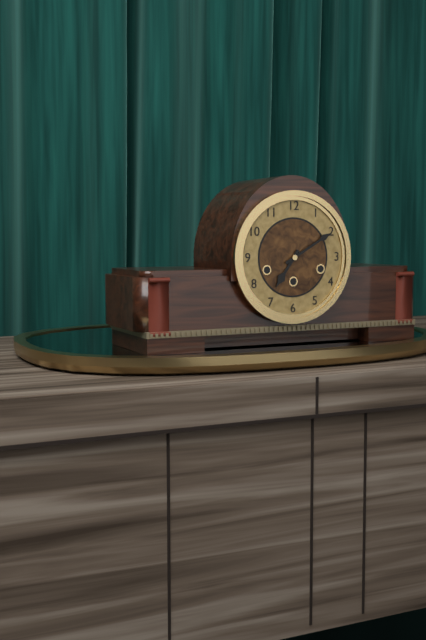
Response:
7,10
